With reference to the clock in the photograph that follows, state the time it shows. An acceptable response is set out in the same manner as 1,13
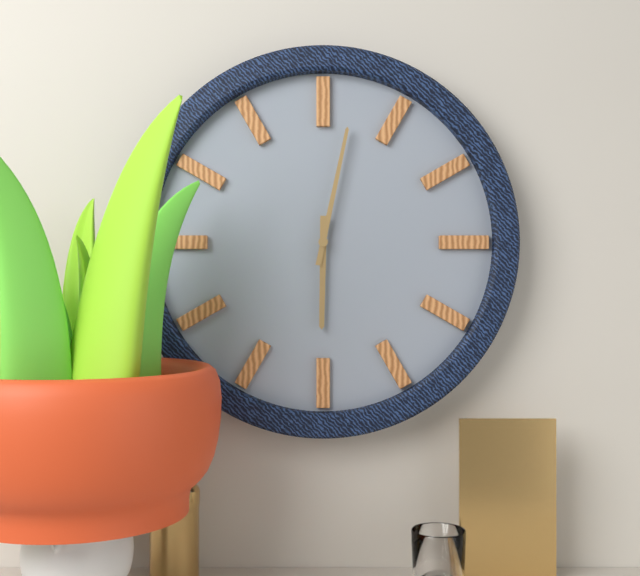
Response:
6,02
